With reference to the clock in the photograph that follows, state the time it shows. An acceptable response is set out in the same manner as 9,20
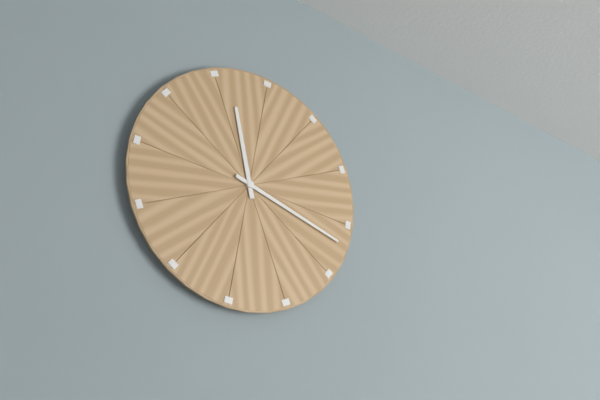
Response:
11,17
